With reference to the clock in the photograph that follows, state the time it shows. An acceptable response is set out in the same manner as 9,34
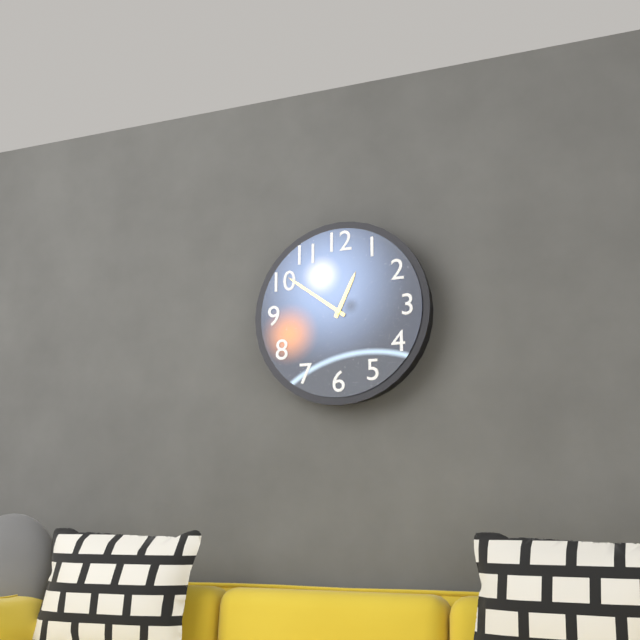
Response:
12,51
